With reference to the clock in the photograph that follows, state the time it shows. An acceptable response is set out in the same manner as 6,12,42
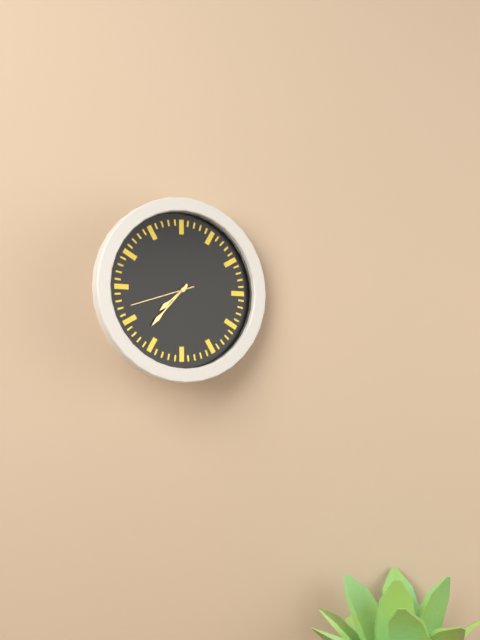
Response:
7,37,42
